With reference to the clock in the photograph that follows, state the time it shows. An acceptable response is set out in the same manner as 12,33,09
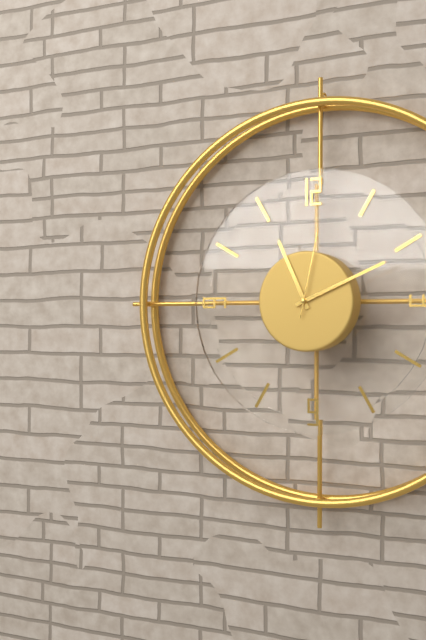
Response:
11,11,02
